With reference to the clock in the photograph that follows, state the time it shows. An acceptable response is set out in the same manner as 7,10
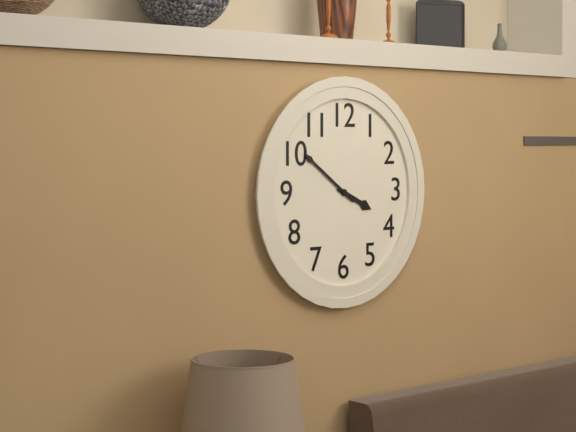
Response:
3,51
